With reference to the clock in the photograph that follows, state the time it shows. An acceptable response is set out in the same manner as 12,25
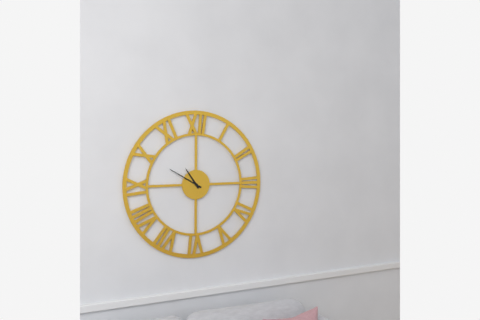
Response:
10,50
